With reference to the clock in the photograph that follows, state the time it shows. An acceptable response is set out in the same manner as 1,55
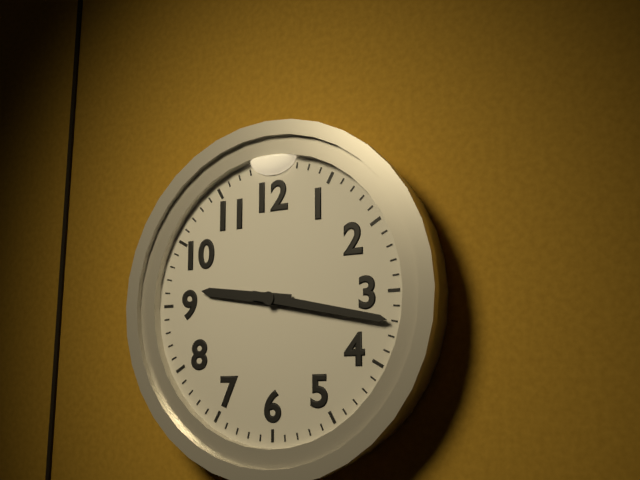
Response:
9,17
